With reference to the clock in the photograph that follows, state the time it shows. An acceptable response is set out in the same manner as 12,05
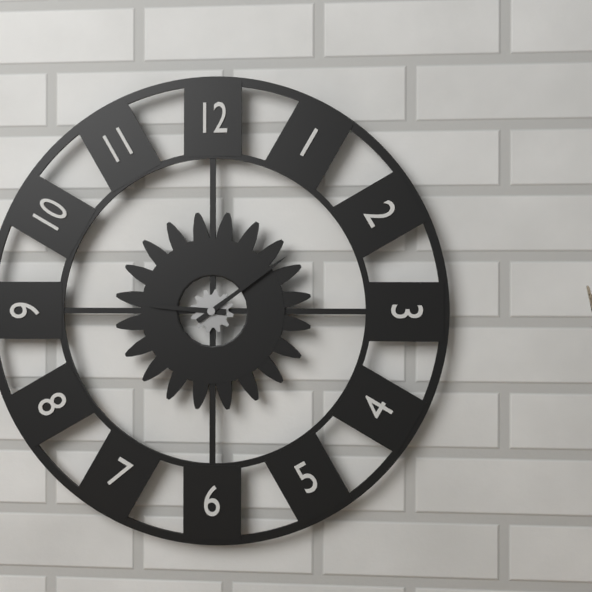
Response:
9,09
